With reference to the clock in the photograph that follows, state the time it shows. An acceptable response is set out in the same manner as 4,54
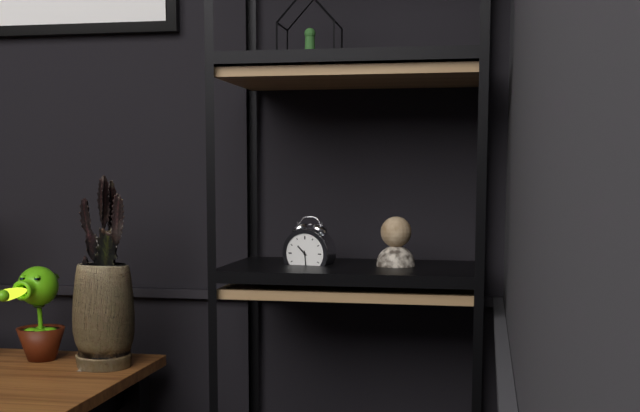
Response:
10,29
